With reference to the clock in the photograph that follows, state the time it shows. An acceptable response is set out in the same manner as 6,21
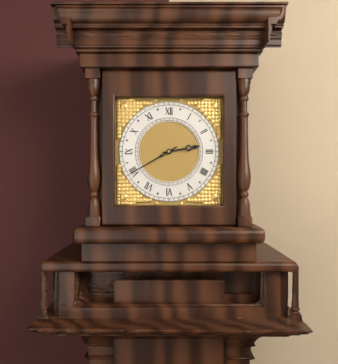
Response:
2,40
